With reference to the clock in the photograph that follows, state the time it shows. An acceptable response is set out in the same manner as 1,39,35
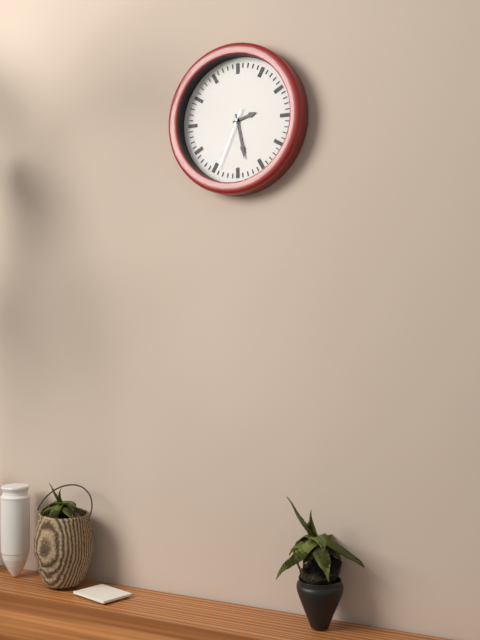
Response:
2,28,34
